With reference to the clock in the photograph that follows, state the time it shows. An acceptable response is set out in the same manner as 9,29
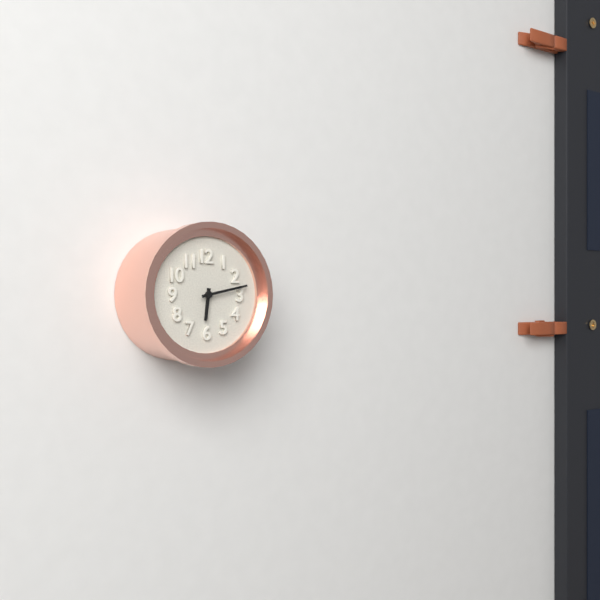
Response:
6,13
